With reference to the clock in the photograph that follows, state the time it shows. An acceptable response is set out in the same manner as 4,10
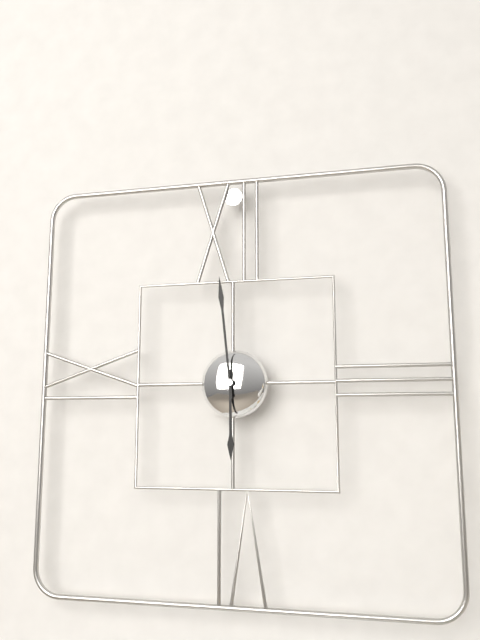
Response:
5,59
